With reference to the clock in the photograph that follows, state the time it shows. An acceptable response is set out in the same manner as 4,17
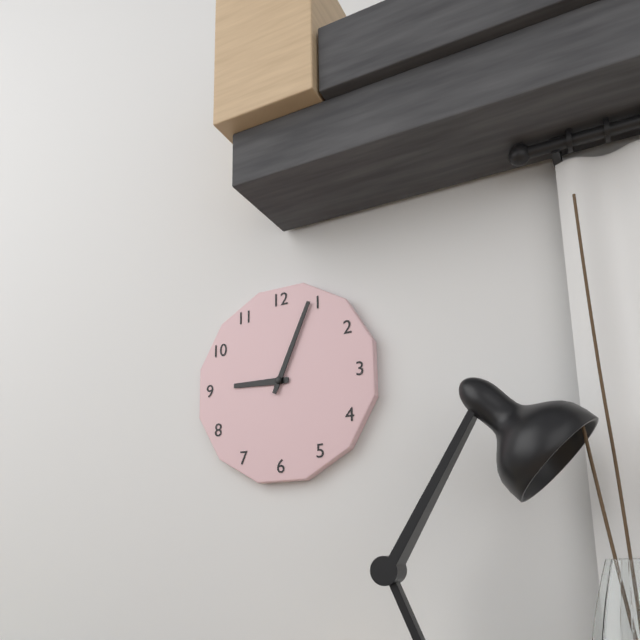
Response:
9,04
